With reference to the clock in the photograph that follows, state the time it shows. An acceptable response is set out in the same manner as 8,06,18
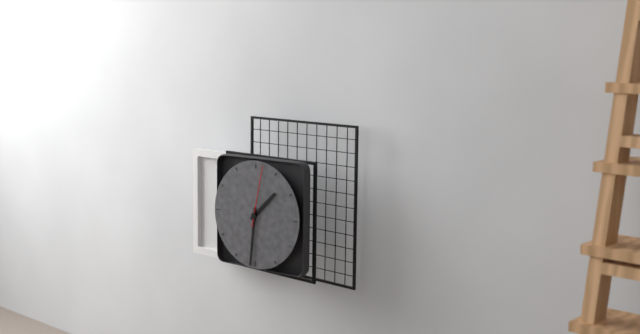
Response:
1,31,02
